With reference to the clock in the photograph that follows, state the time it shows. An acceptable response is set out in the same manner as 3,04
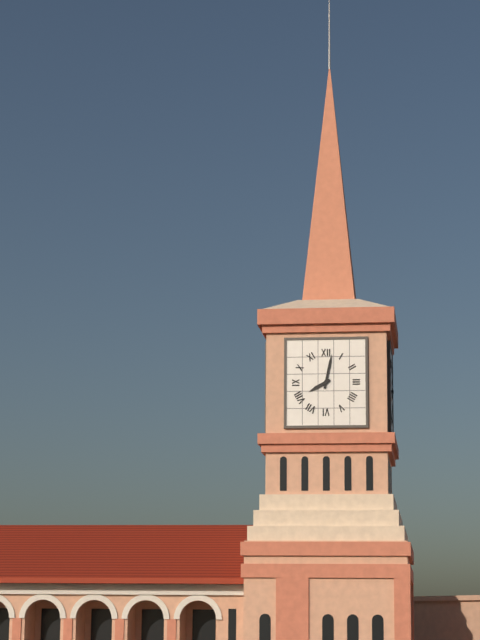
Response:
8,02
